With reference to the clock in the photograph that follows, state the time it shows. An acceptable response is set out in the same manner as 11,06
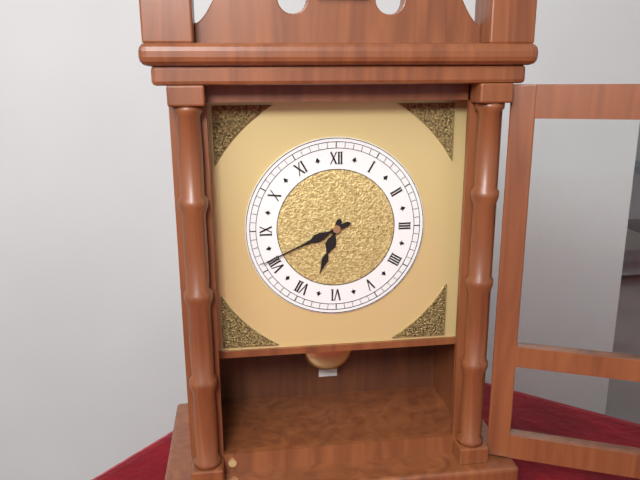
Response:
6,41
